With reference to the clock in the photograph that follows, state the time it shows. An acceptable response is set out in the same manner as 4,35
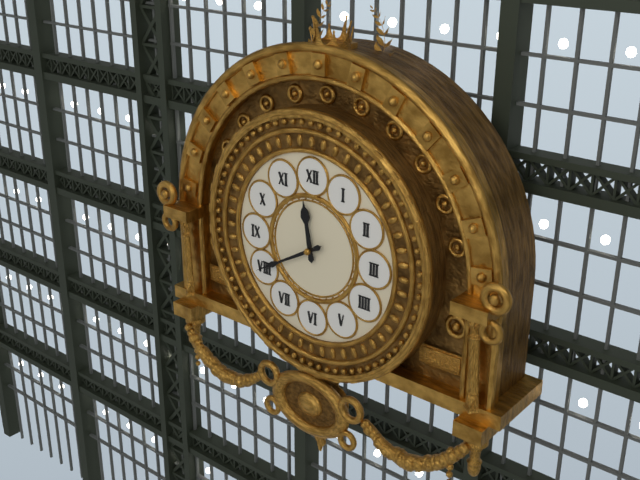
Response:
11,40
